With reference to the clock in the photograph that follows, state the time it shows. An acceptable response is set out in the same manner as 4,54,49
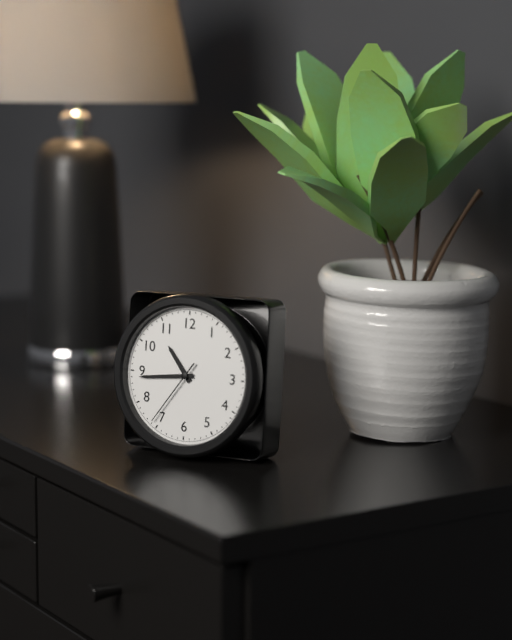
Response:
10,44,36
